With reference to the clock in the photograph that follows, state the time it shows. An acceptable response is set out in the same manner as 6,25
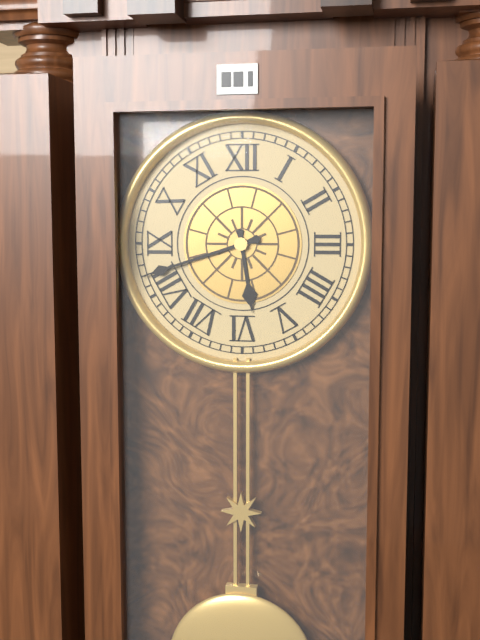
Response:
5,42
